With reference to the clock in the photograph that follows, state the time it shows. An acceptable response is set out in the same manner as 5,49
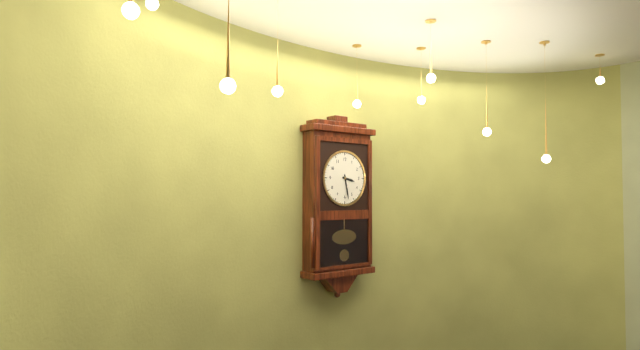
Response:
3,28
